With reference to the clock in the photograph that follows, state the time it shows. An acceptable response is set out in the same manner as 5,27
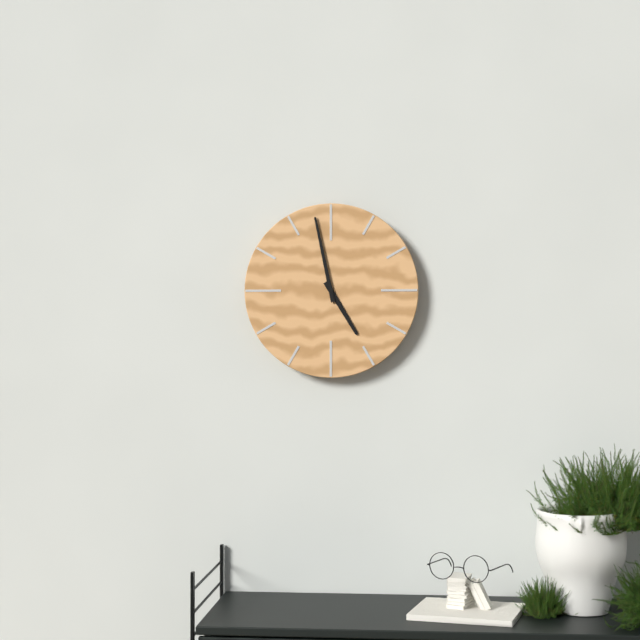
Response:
4,58
